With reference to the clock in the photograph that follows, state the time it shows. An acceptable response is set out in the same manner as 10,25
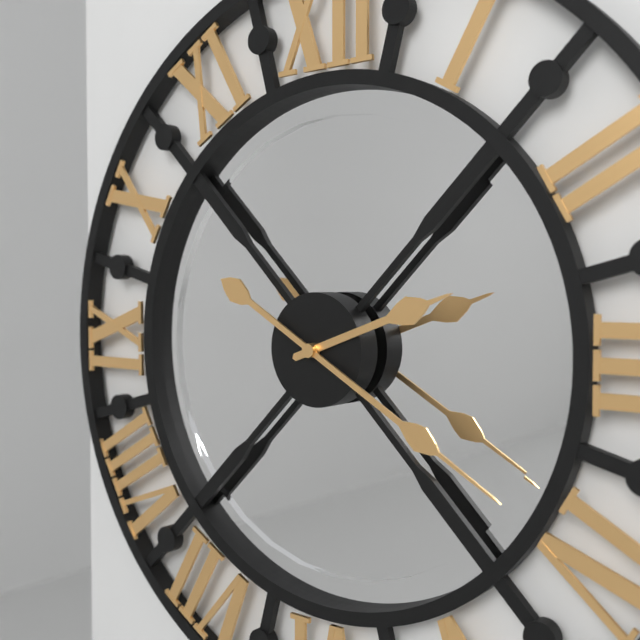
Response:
2,20
